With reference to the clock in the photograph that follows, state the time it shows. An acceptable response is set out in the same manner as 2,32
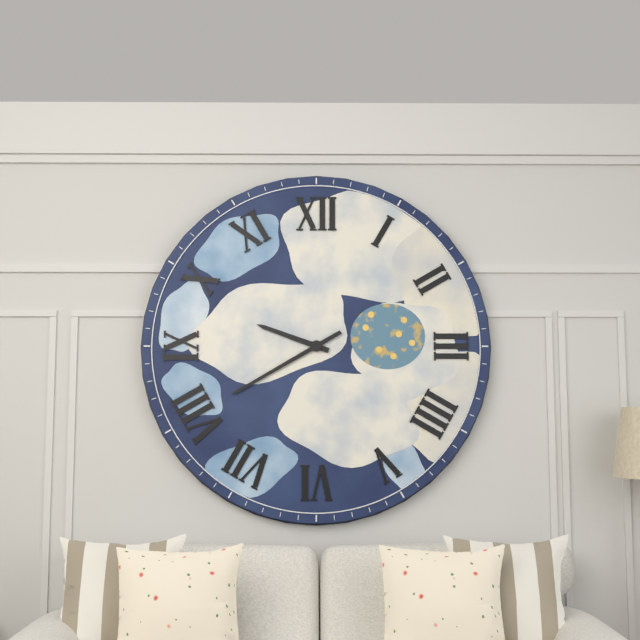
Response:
9,40
